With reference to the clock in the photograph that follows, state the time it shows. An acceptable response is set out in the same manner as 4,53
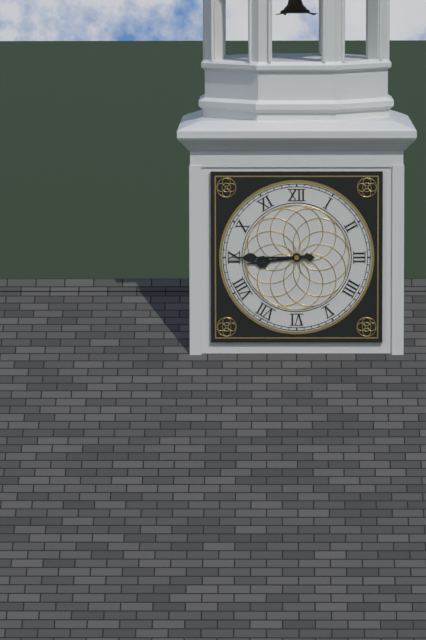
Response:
8,45
